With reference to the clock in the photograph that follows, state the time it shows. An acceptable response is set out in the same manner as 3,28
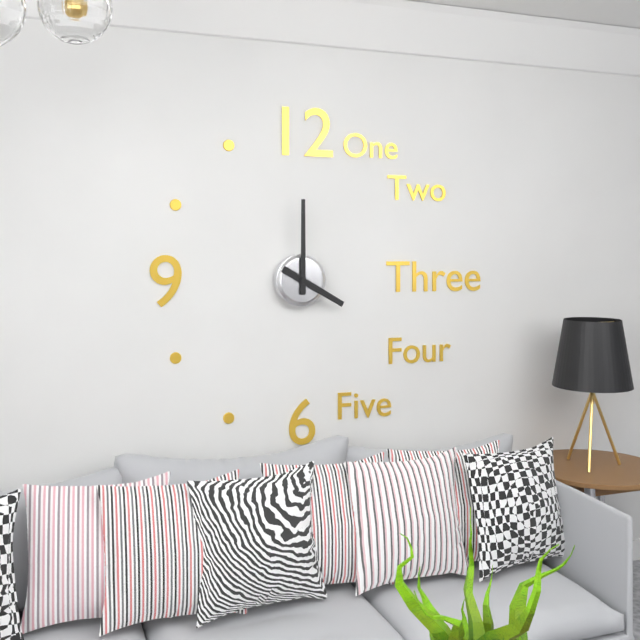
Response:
4,00
